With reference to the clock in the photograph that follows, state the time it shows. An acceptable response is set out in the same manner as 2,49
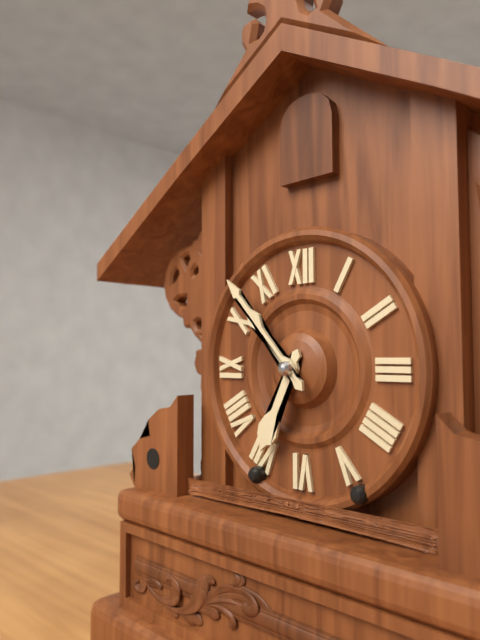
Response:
6,53
